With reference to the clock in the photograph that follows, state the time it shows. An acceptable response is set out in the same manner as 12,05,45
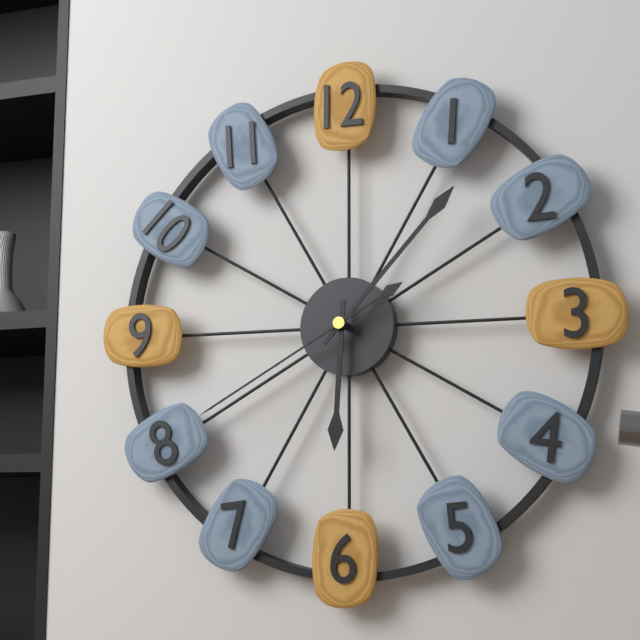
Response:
6,07,40
